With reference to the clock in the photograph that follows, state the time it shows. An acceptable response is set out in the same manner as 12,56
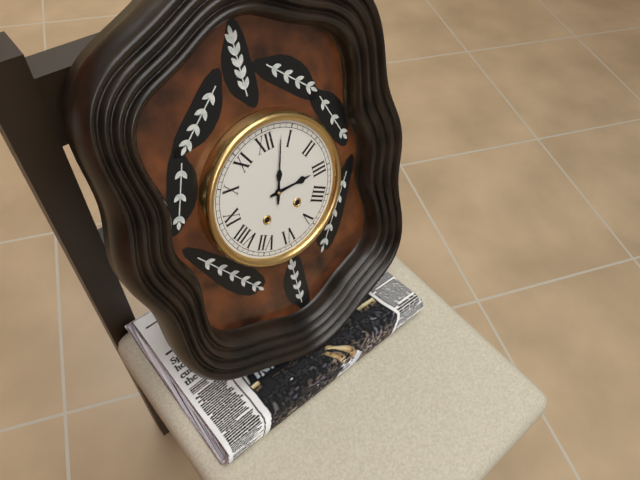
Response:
3,03
